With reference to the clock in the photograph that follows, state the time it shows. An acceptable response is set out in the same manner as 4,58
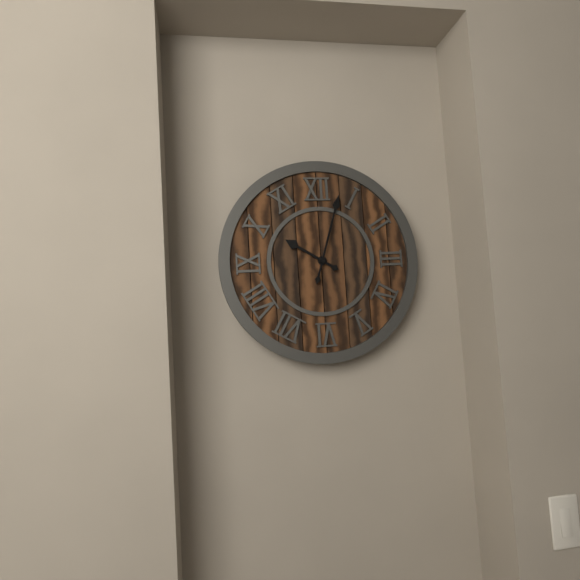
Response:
10,03
